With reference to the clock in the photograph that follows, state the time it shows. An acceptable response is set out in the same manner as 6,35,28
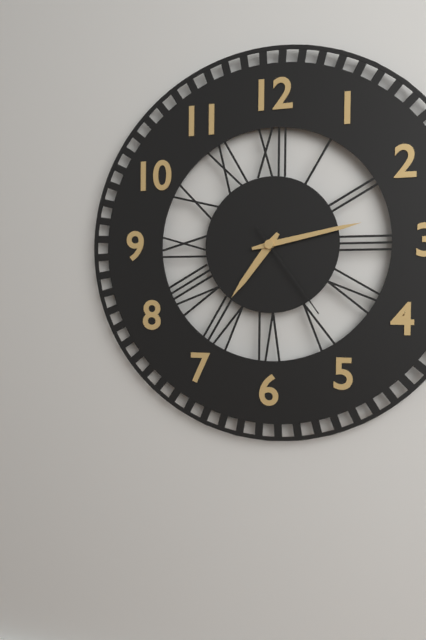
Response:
7,13,24
